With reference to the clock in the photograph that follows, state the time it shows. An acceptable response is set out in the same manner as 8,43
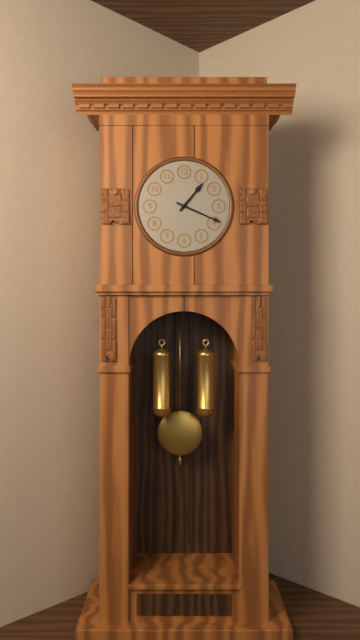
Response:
1,19
